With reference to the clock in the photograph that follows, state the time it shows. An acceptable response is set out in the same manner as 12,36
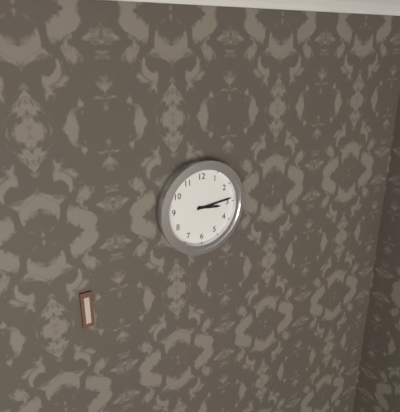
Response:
3,14
